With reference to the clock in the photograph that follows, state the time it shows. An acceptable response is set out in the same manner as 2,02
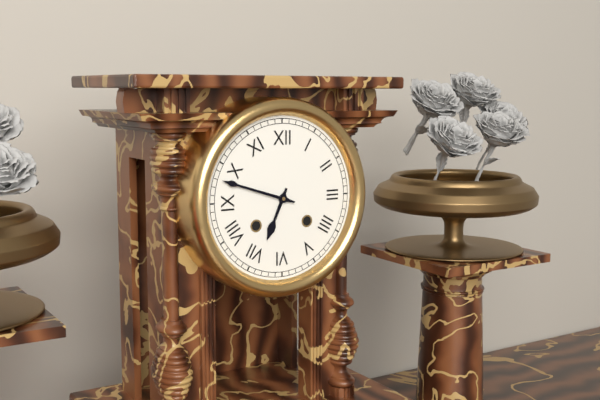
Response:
6,48
